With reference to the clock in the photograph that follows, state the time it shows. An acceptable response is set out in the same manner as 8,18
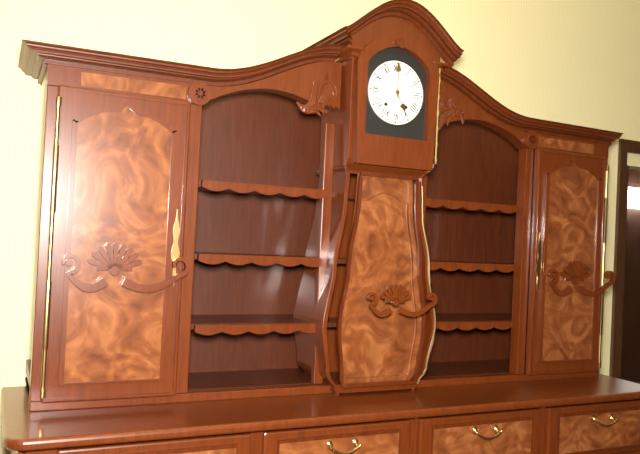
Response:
5,00
